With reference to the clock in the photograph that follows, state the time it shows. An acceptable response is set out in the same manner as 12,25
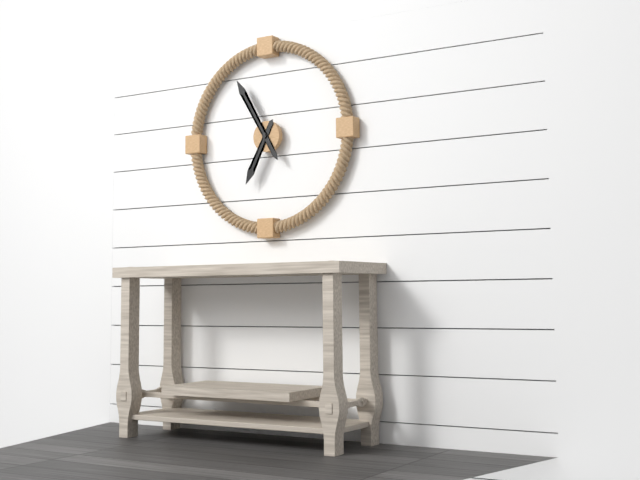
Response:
6,55
